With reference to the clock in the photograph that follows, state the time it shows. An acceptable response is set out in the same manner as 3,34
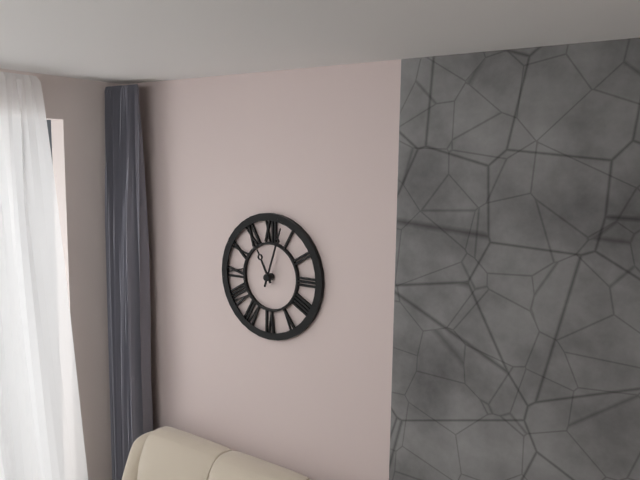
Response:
11,03
